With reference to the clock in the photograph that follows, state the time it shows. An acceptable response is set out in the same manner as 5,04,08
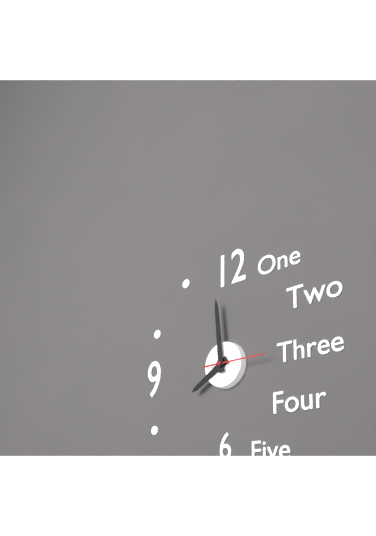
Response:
7,59,15
